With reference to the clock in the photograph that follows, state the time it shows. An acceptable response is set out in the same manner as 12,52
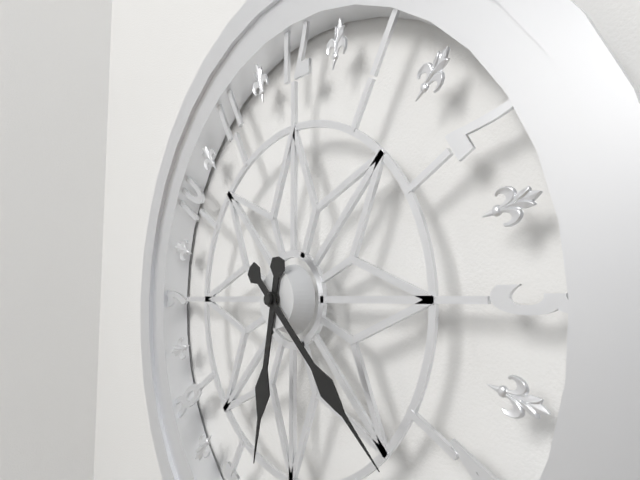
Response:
6,22
